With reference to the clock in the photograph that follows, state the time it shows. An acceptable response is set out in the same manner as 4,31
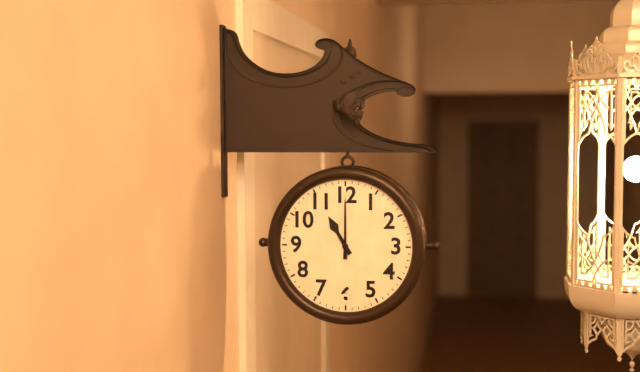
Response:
11,00
